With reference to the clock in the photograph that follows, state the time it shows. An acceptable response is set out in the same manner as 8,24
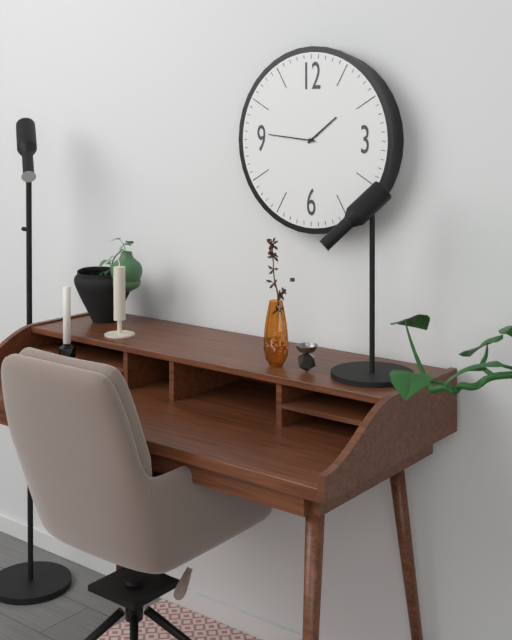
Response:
1,46
